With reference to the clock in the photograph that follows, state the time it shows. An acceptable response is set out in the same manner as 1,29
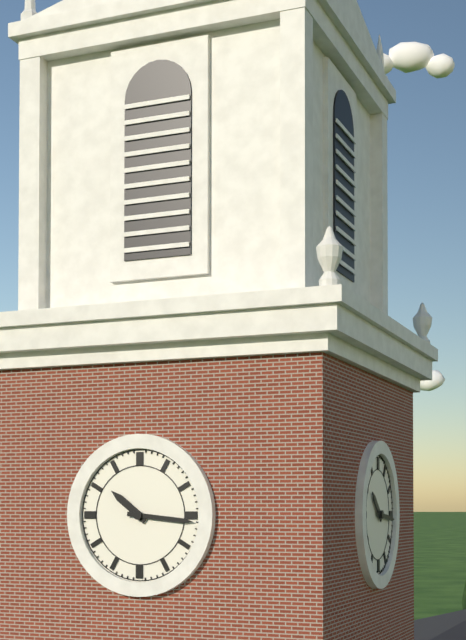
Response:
10,16
